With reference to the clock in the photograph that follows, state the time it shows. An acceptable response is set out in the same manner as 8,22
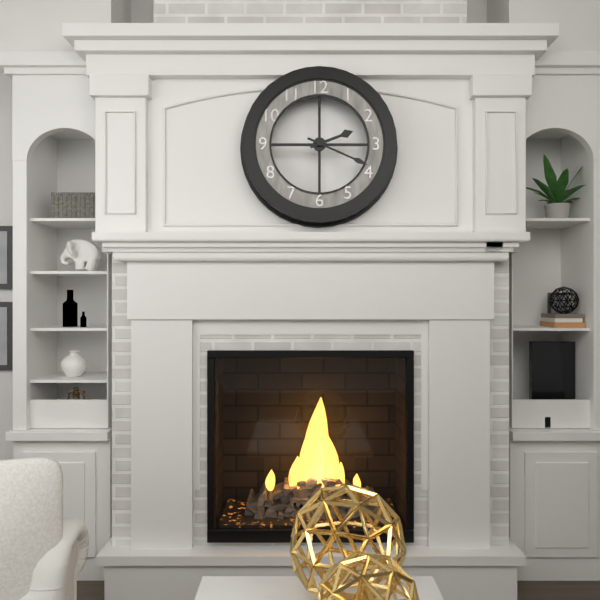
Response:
2,19
